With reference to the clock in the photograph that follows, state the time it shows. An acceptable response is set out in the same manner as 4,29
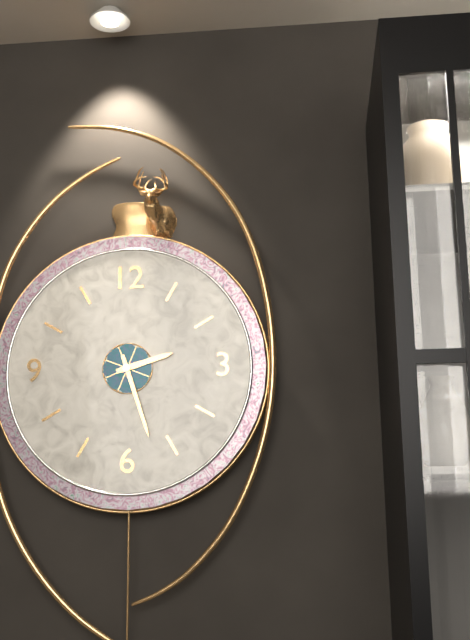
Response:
2,27
